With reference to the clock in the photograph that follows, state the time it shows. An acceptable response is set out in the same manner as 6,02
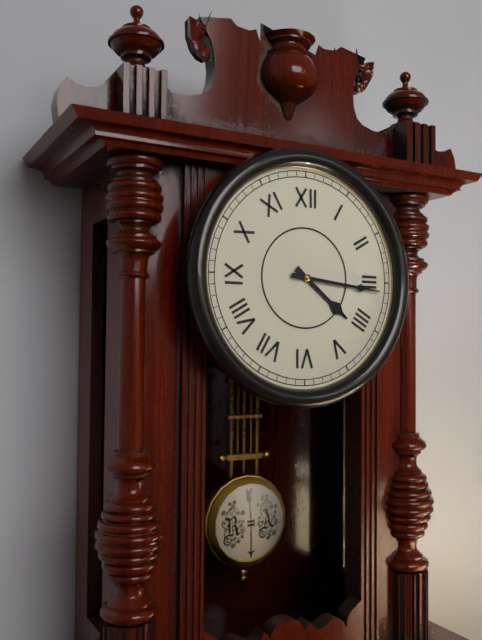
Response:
4,16
